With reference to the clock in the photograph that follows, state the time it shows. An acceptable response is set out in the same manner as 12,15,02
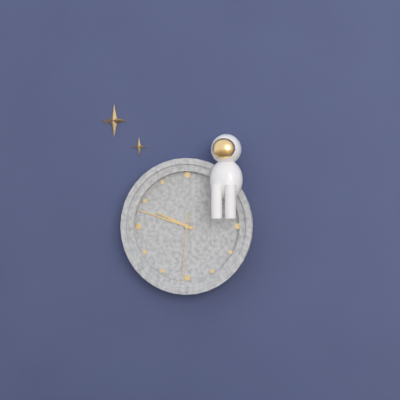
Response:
9,48,31
